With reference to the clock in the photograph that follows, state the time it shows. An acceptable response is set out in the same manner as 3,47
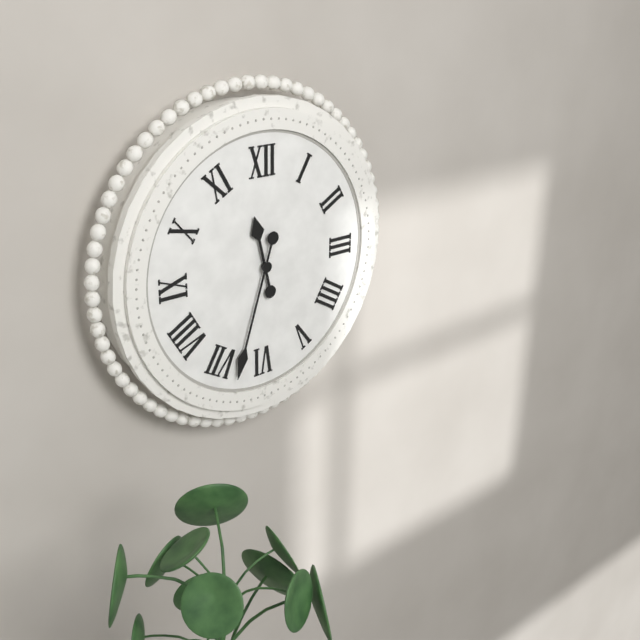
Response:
11,33
